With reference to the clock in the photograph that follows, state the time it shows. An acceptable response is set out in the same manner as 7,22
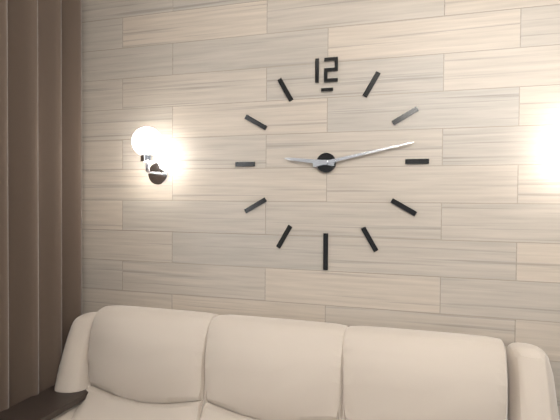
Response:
9,13
